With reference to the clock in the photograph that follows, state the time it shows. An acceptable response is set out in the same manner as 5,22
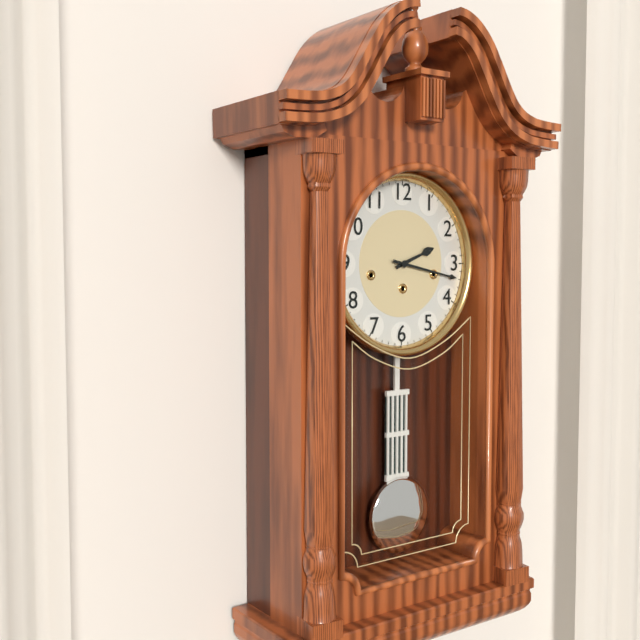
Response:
2,17
